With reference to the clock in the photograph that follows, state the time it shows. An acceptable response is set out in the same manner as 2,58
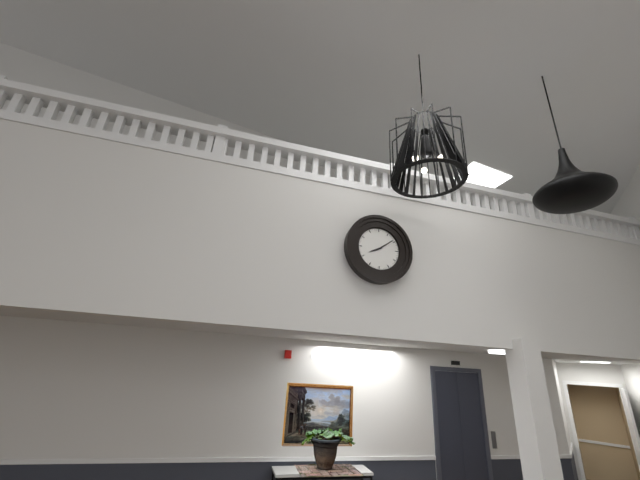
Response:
8,09
